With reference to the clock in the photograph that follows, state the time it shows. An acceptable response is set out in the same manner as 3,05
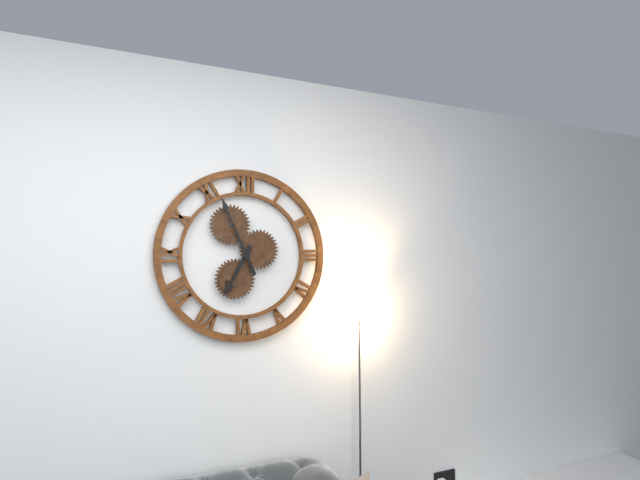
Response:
6,56
